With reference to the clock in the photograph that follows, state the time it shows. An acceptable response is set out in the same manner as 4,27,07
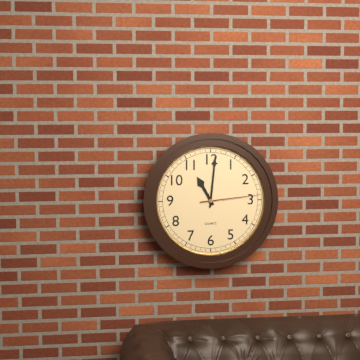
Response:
11,01,14
